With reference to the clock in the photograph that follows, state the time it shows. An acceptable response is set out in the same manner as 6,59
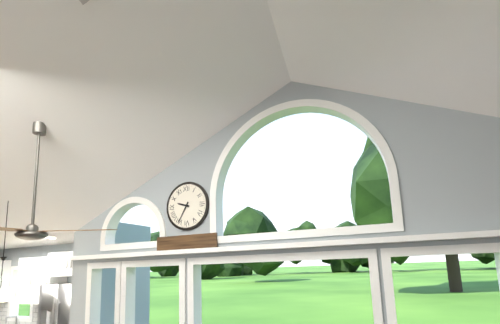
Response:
9,35
